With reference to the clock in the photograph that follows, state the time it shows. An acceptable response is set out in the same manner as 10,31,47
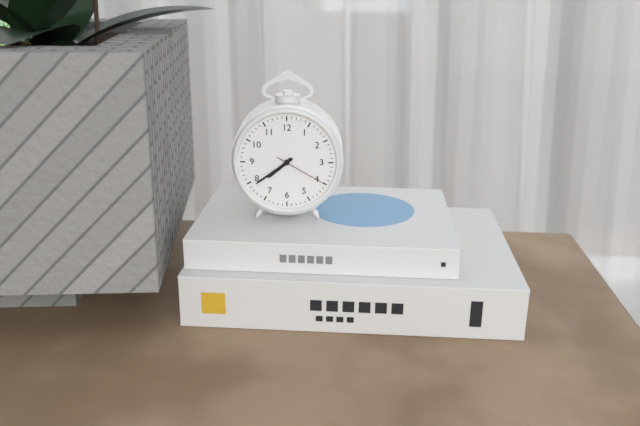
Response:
7,39,20
